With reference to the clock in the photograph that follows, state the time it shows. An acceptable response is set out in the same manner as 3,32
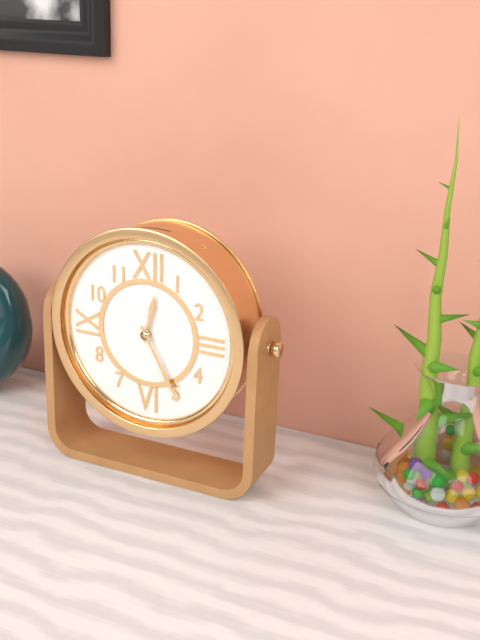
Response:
12,25
